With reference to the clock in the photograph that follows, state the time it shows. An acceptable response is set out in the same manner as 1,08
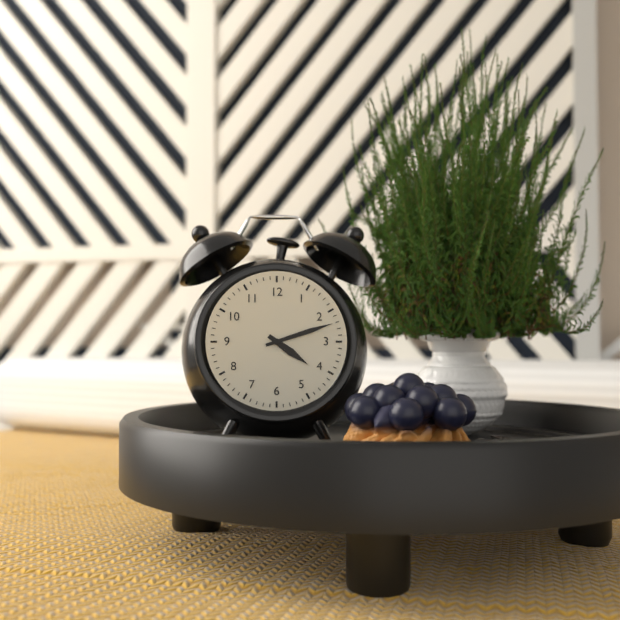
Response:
4,12
